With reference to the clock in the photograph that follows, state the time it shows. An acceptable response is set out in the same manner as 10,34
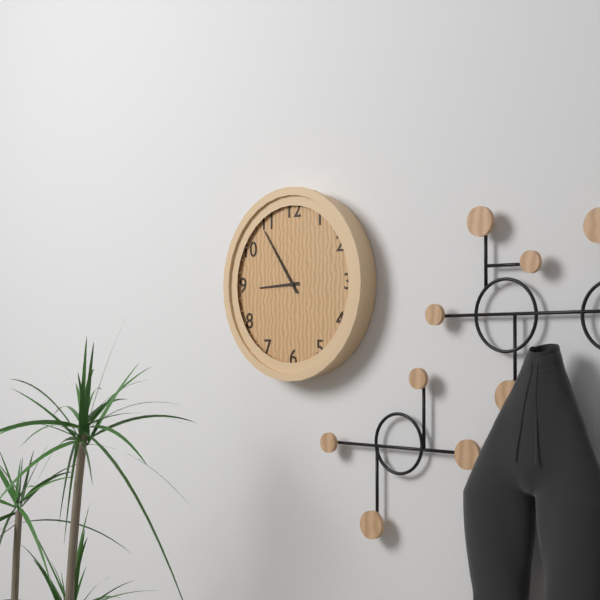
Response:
8,54
